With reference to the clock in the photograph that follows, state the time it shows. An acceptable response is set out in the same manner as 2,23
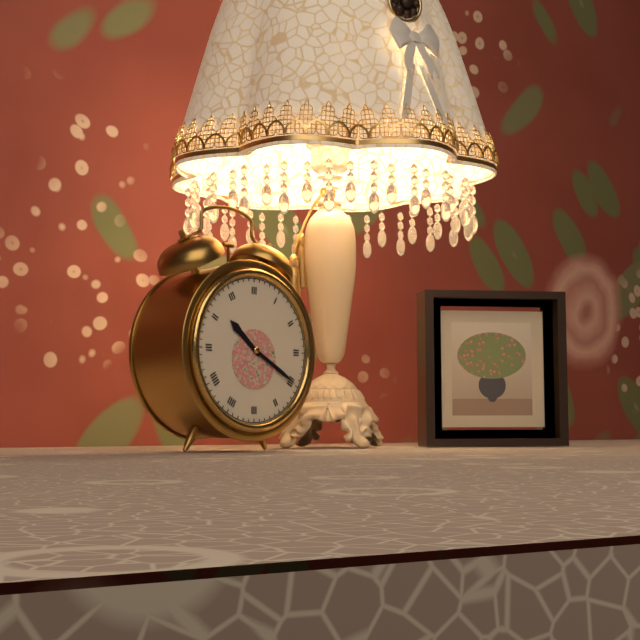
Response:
10,20
